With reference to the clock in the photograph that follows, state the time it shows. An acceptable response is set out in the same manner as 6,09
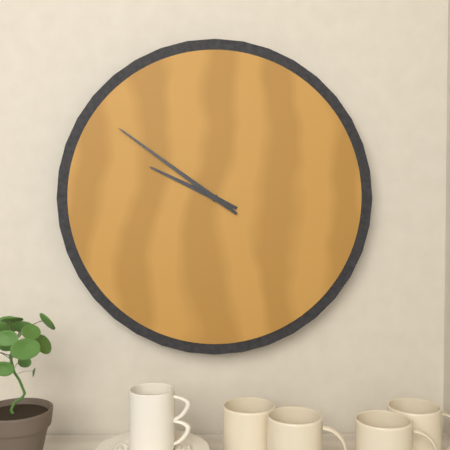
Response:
9,51
